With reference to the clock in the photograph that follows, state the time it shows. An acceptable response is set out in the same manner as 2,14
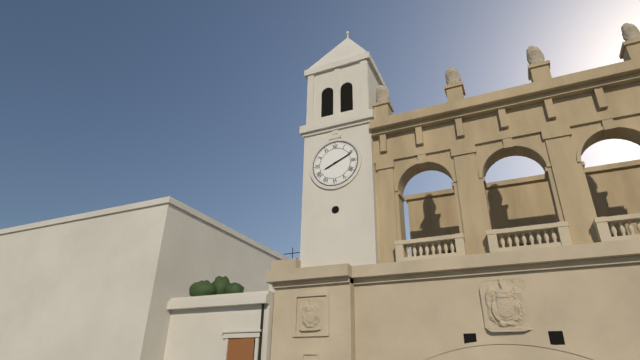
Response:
8,11
